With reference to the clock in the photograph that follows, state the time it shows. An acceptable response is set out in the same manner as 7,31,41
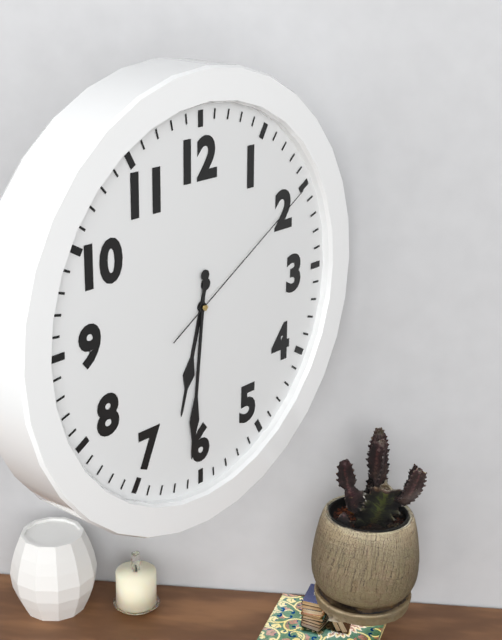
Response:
6,31,10
